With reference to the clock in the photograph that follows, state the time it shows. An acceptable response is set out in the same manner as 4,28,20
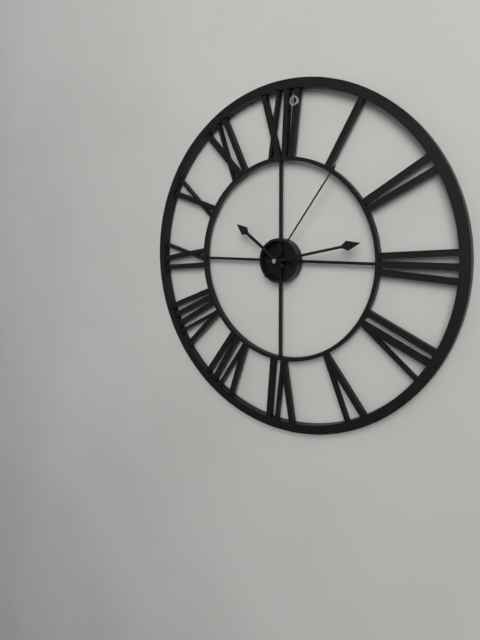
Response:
10,13,06
